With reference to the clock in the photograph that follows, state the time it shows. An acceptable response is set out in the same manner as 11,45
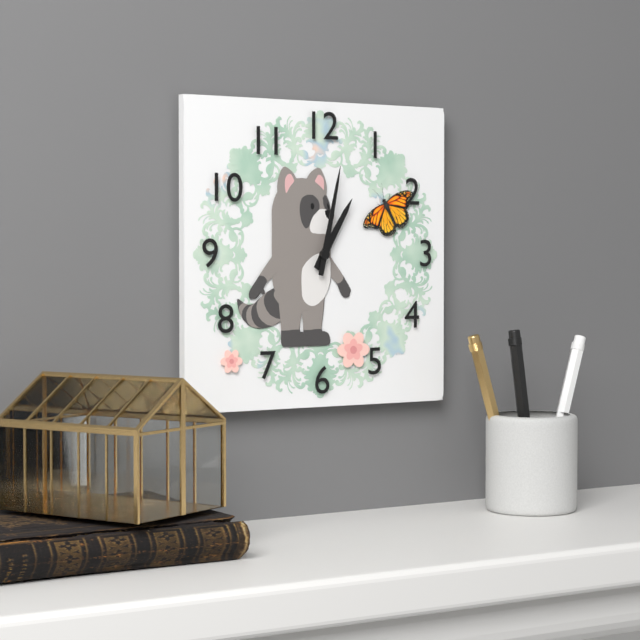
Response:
1,02
